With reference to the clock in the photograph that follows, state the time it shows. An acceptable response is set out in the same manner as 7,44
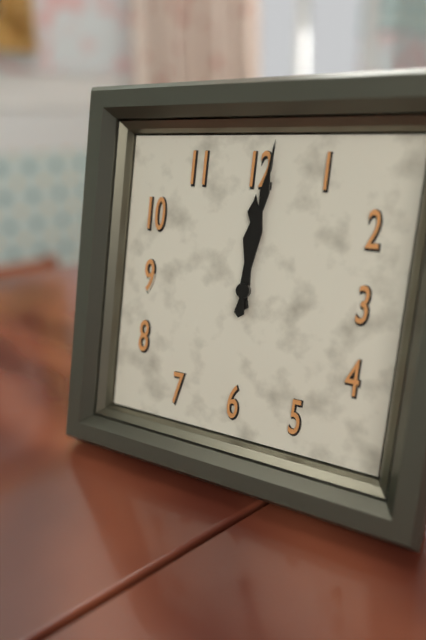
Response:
12,01
